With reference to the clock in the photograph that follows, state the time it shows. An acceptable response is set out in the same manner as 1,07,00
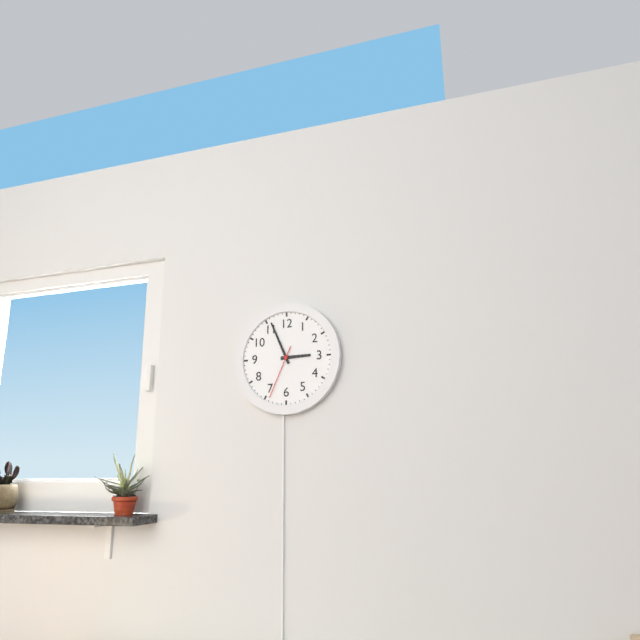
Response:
2,56,34
